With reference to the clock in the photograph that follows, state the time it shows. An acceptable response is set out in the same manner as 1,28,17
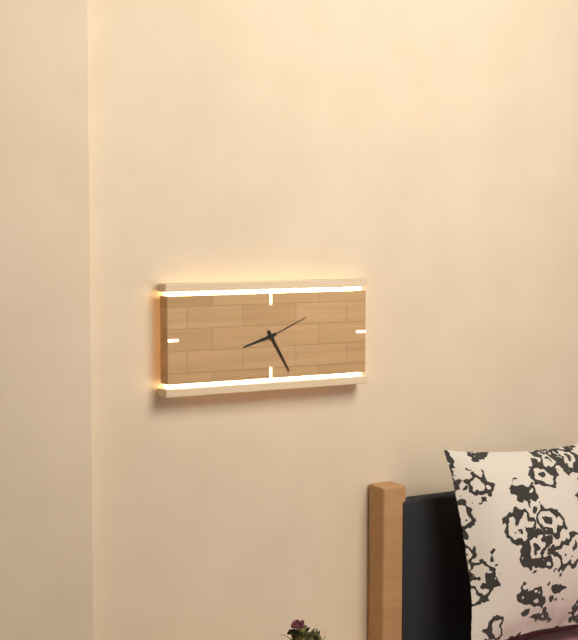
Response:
8,25,11
